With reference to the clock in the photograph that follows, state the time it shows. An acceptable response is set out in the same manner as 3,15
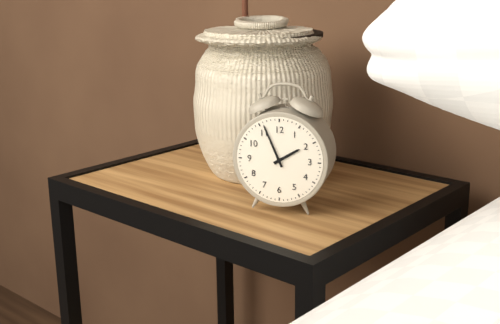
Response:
1,56
